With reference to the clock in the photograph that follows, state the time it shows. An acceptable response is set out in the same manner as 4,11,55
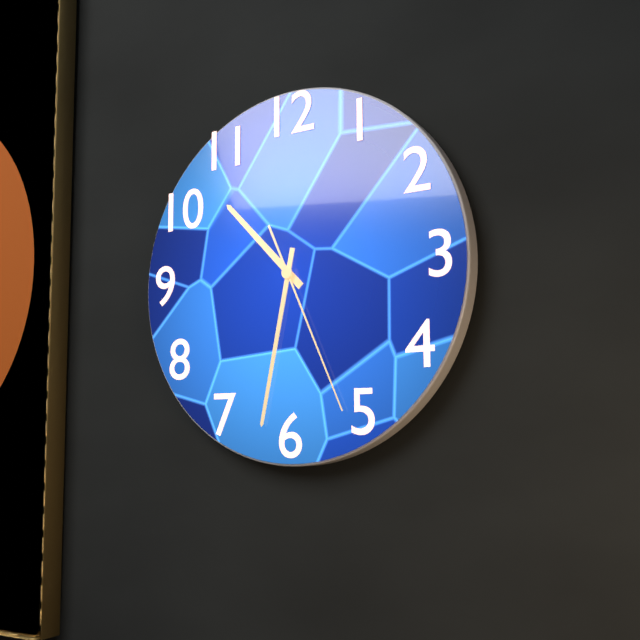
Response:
10,32,26
